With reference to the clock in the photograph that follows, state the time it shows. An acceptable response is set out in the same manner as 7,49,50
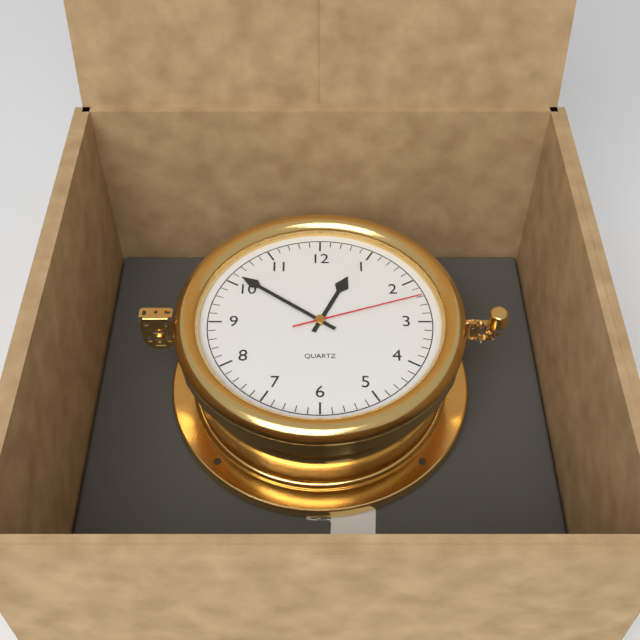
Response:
12,51,12
